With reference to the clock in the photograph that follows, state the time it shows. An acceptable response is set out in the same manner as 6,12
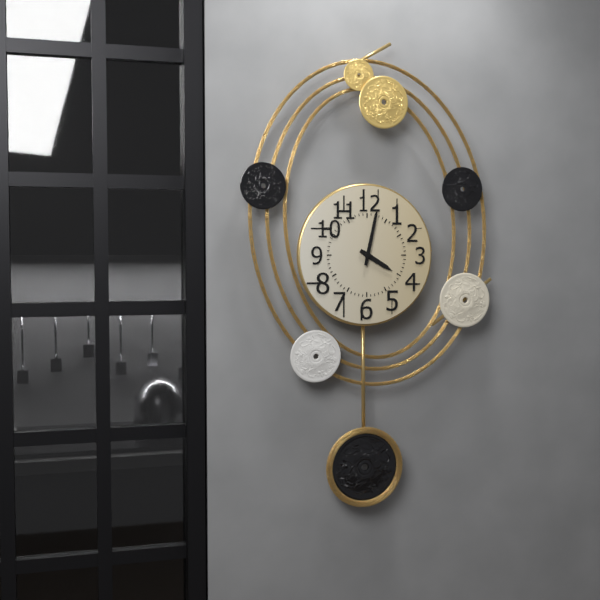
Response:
4,02
